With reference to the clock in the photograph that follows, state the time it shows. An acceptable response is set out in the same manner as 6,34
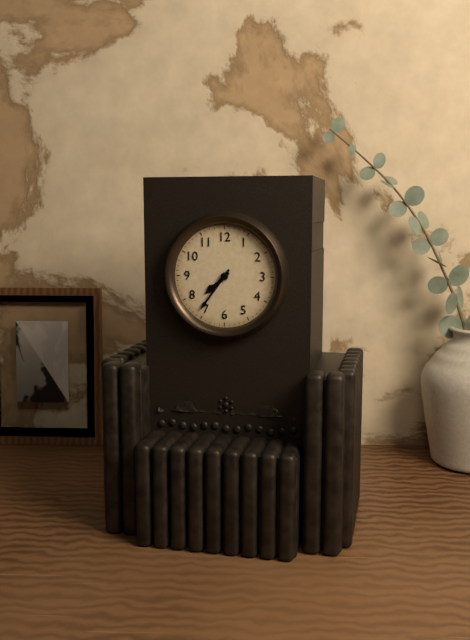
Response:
7,36
